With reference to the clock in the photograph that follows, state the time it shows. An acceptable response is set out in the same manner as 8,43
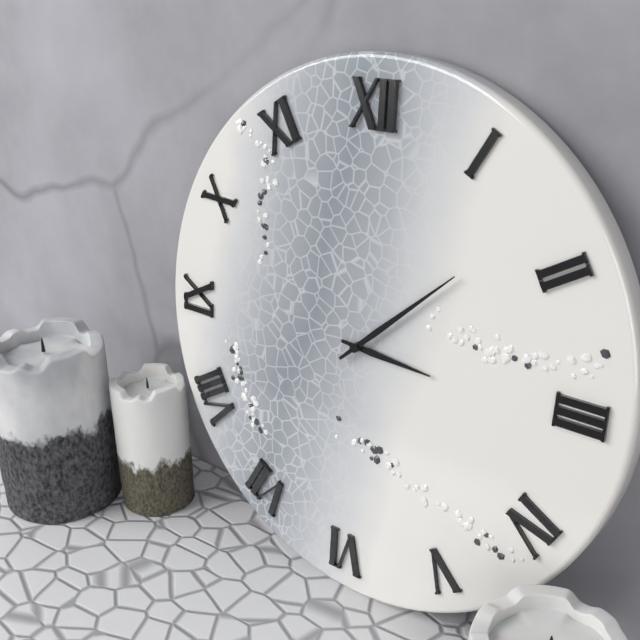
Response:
3,08
